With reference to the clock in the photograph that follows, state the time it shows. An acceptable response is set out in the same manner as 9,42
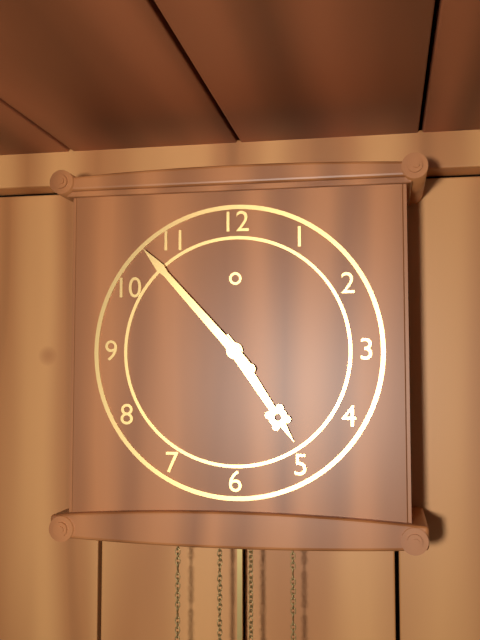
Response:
4,53
